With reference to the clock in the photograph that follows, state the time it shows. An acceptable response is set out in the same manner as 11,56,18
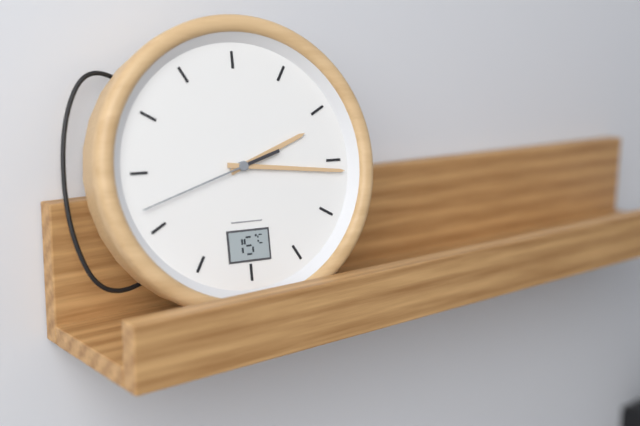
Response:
2,16,42
